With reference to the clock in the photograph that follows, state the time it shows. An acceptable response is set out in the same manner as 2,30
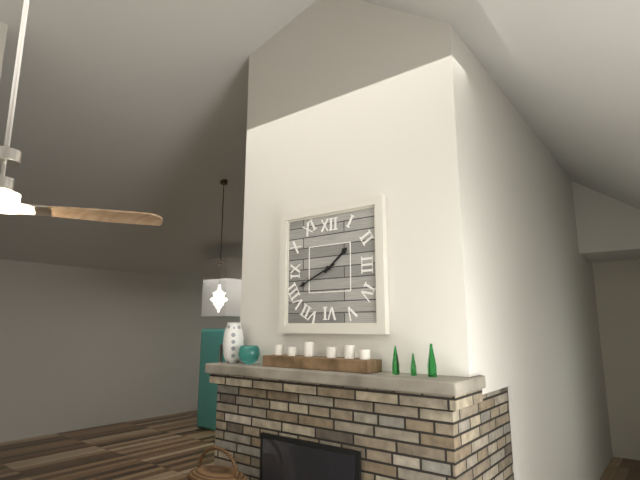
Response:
1,41
